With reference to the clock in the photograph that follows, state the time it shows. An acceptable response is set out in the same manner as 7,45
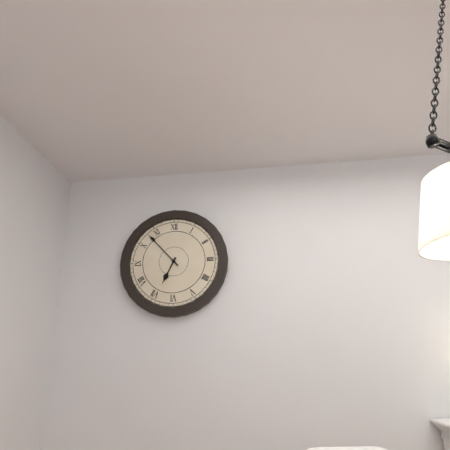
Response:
6,53
